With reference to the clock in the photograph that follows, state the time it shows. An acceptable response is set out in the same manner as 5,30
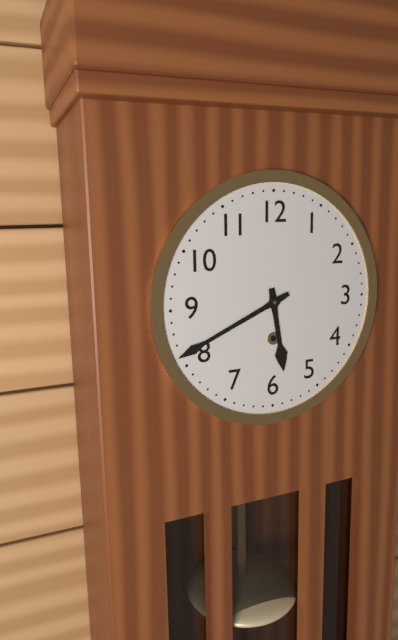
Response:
5,41
